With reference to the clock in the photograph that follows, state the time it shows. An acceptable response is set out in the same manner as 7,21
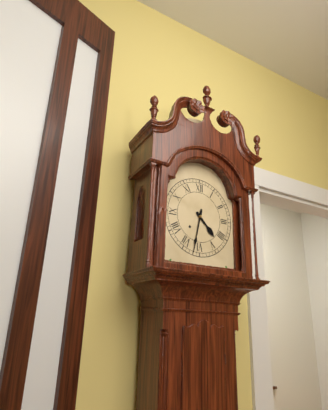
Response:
4,32
